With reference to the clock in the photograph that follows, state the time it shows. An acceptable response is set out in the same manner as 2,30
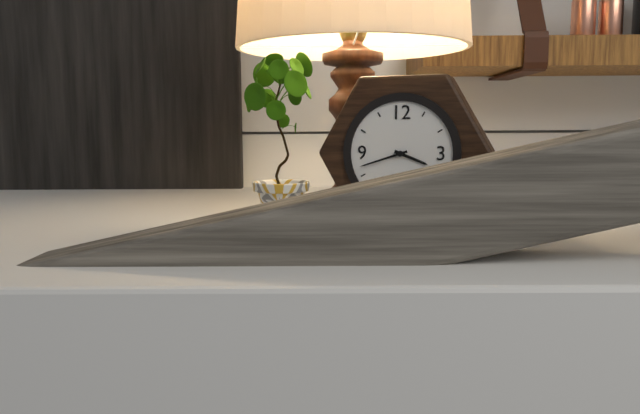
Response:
3,42
